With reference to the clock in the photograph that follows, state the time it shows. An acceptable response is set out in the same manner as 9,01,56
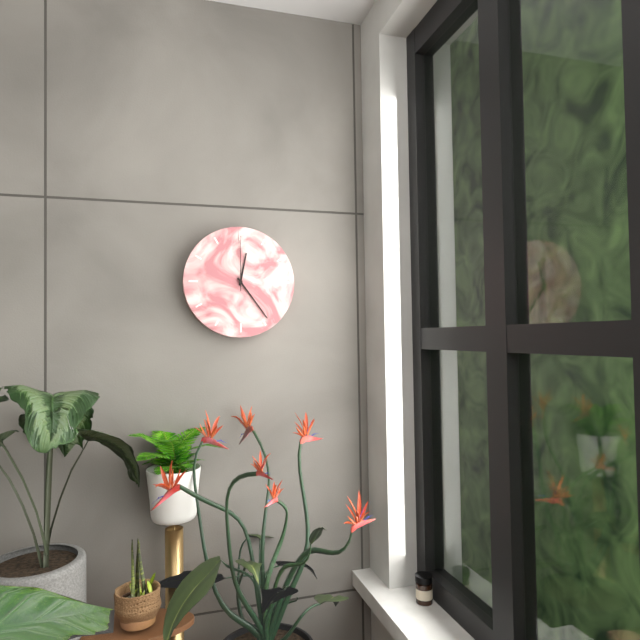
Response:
12,24,00
